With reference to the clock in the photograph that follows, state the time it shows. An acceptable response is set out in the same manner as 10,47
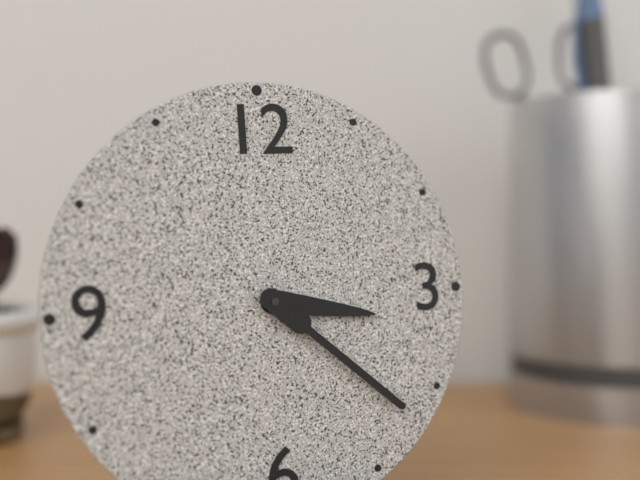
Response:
3,22
